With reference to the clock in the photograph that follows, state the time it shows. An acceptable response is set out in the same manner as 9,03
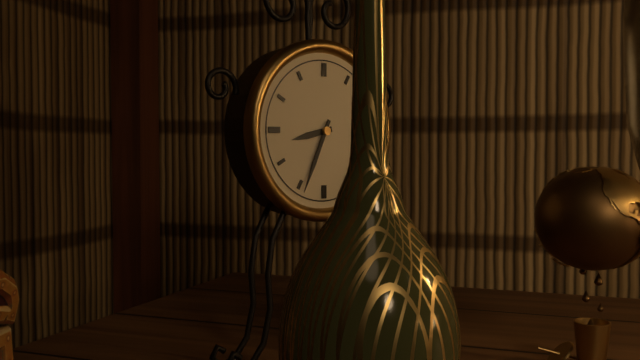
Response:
8,34
